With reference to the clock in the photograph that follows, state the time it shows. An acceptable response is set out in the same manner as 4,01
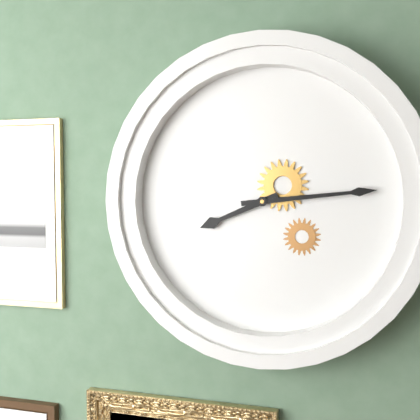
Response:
8,14
